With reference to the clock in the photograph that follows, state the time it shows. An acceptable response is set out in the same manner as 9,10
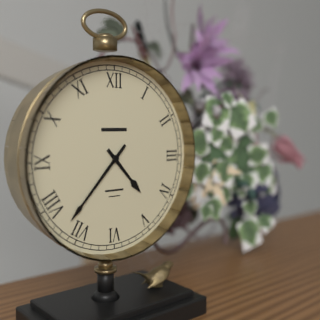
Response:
4,37
